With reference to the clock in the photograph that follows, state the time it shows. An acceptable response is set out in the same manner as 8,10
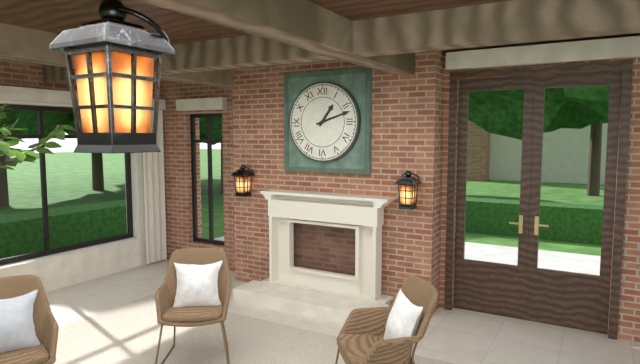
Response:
1,12
